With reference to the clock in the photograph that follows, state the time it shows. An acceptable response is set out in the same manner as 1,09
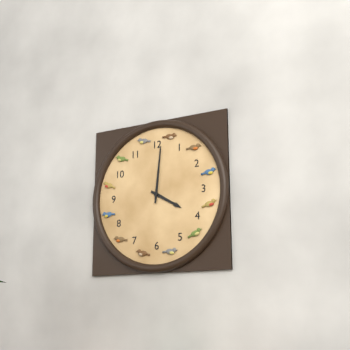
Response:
4,01
